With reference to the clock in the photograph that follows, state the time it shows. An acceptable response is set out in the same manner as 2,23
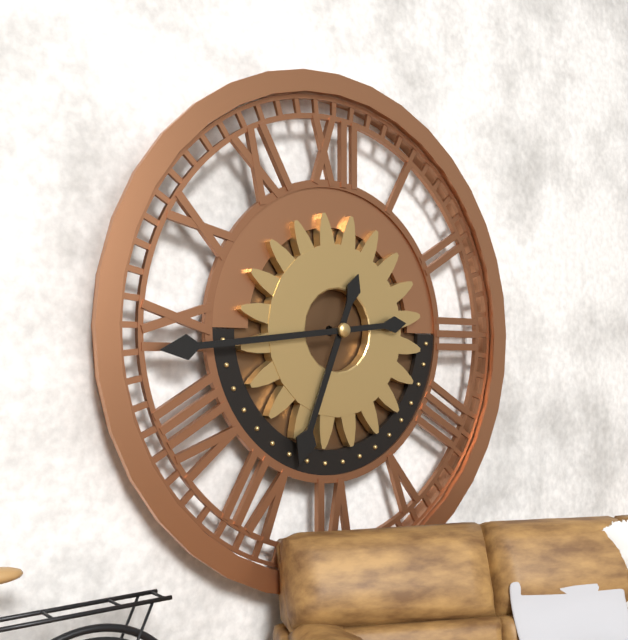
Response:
6,44
